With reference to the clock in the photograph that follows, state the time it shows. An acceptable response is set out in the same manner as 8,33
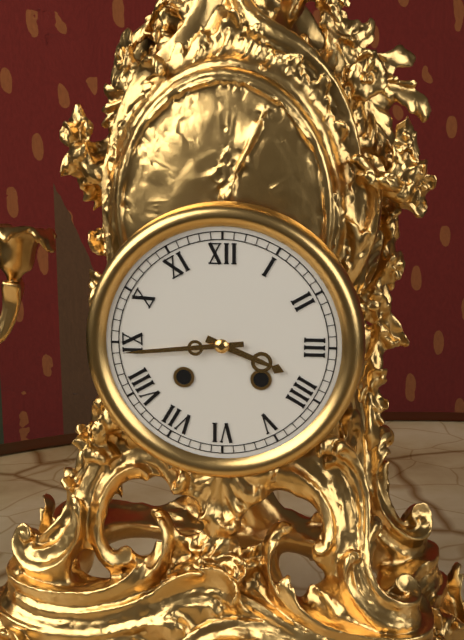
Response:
3,44
